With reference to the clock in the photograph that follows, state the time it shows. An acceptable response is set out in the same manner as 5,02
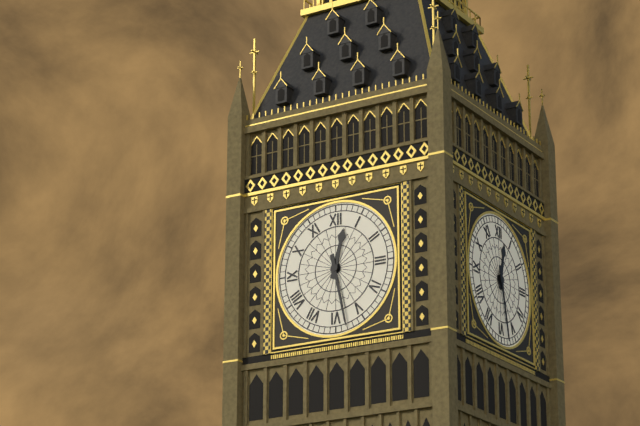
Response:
12,28
